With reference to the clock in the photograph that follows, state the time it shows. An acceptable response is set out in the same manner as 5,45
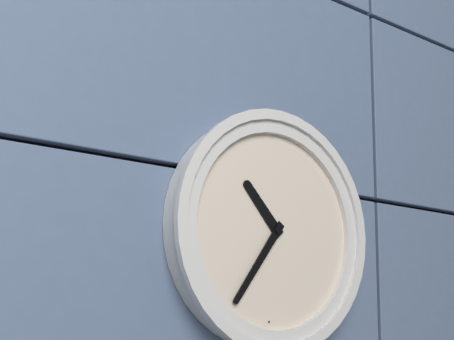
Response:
10,36
